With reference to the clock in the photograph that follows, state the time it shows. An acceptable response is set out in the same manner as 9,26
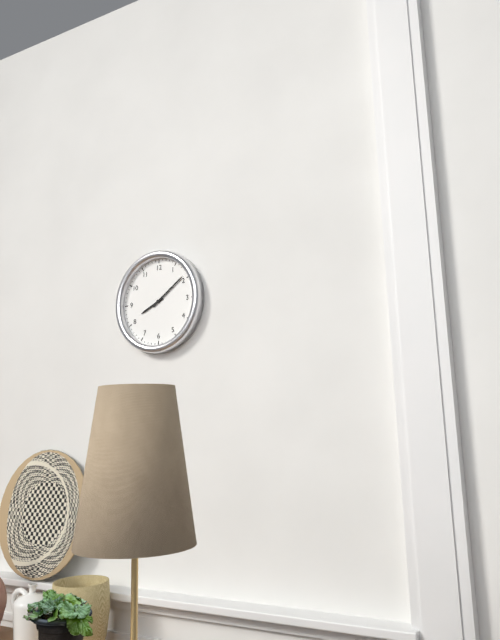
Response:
8,09
